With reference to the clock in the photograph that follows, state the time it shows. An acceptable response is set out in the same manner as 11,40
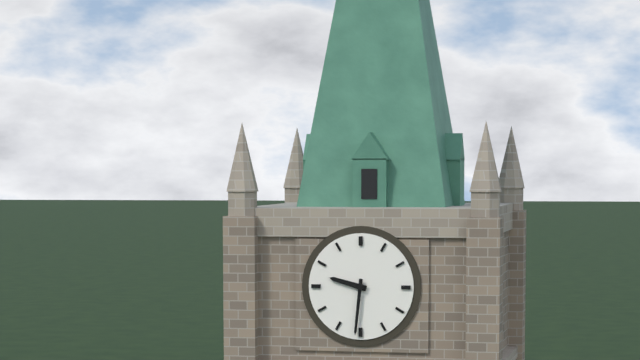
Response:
9,31
